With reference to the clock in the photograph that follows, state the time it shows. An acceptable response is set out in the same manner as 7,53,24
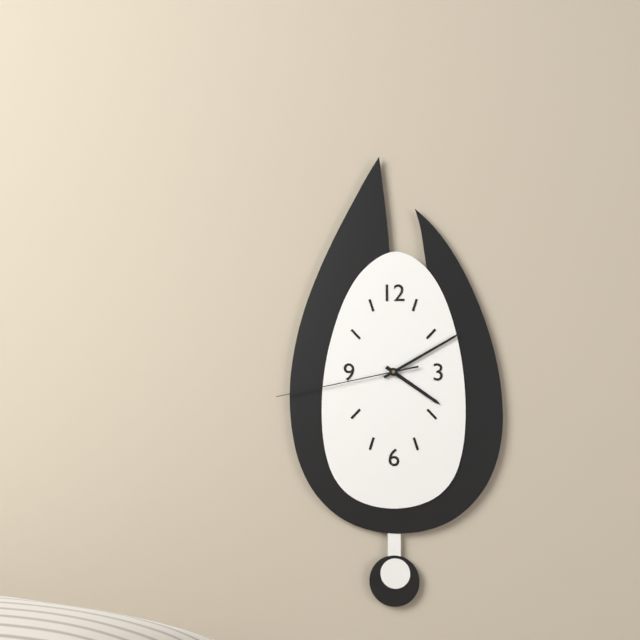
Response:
4,10,43
